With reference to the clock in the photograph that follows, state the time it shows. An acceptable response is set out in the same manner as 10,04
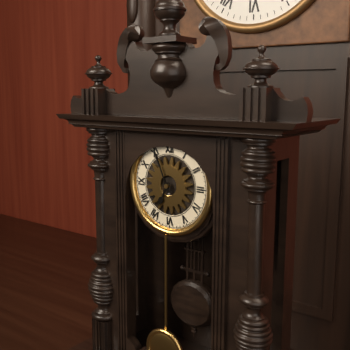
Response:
6,56
